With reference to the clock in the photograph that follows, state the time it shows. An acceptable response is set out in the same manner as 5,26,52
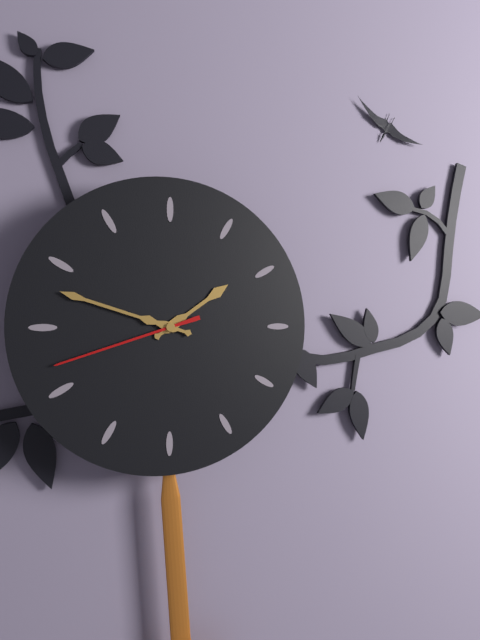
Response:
1,48,42
